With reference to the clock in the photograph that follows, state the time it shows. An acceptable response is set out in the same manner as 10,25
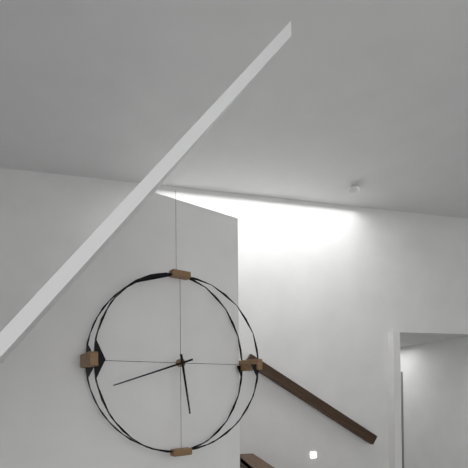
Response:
5,42
